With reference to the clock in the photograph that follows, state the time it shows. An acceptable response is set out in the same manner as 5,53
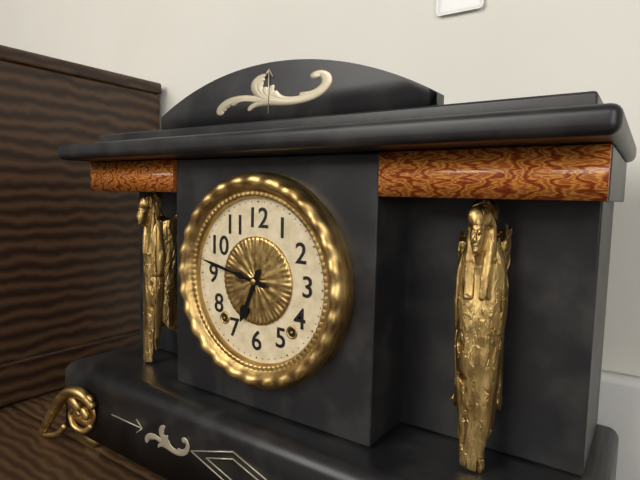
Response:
6,47
